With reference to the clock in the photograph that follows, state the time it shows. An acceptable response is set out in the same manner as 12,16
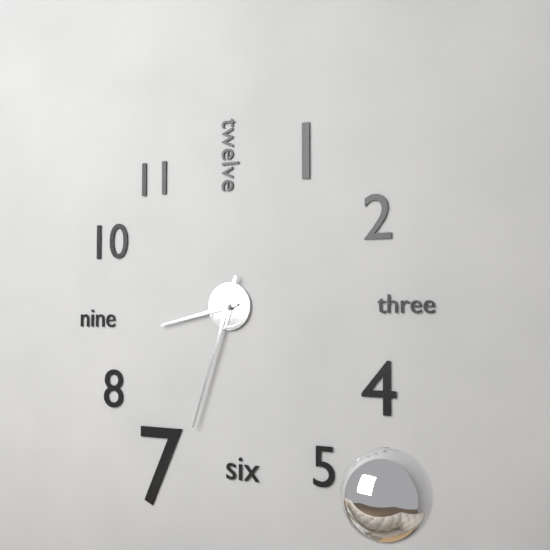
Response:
8,33
